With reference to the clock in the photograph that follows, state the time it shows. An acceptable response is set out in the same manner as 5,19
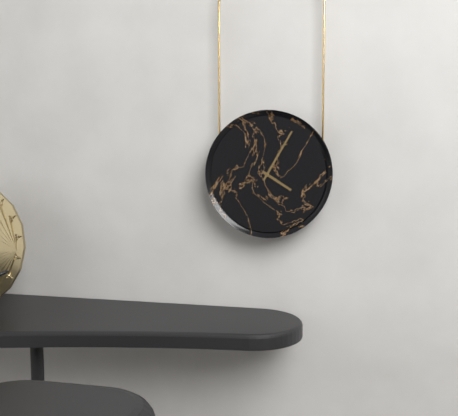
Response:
4,05
